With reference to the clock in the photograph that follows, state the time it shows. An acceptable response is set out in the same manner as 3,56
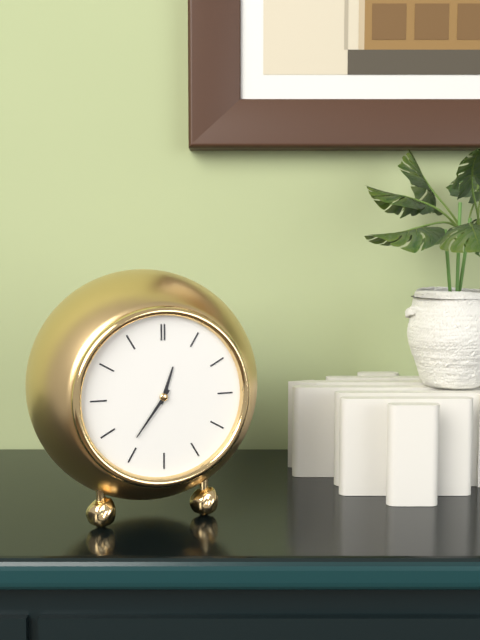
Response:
12,36
